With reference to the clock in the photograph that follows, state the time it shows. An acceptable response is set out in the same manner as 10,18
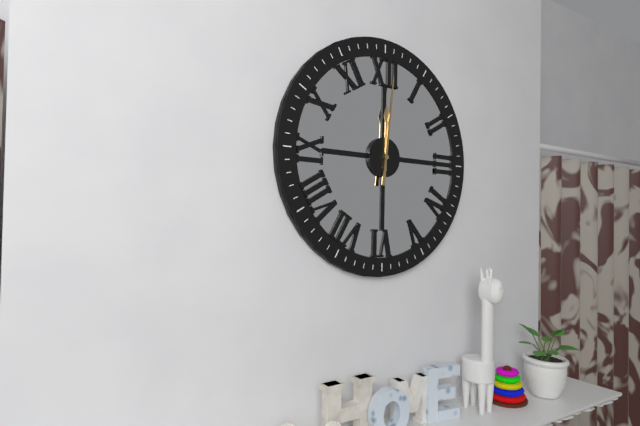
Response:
12,01
